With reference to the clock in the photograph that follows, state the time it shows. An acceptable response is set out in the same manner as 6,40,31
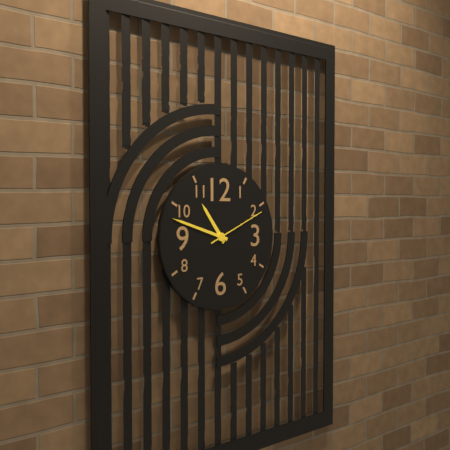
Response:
10,48,11
